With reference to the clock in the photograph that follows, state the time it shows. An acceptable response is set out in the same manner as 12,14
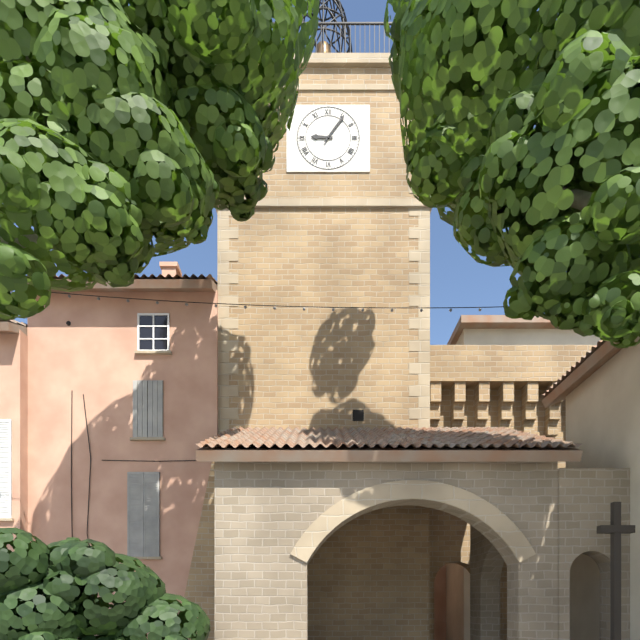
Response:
9,06
